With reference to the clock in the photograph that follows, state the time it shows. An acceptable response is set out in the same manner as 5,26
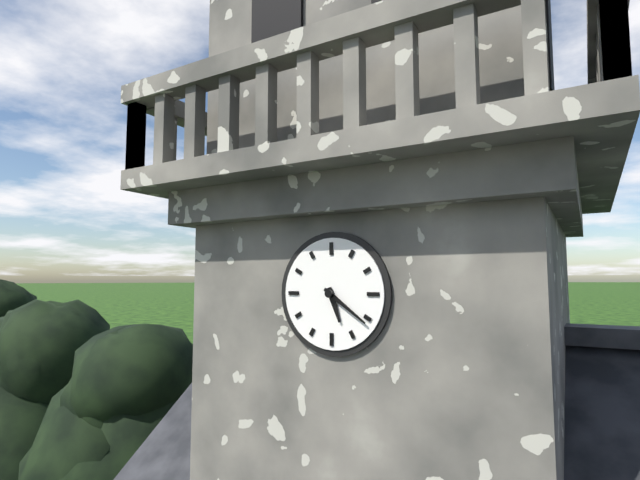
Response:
5,21
